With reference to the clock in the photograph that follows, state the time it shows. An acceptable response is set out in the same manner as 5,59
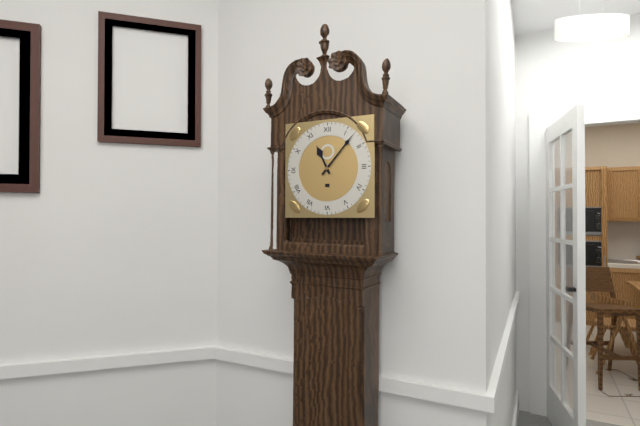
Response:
11,07
